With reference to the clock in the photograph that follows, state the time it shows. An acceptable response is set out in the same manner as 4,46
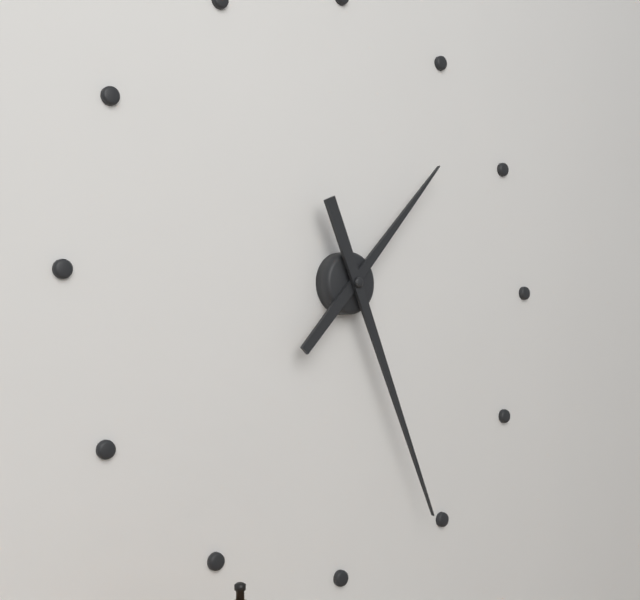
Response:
1,26
